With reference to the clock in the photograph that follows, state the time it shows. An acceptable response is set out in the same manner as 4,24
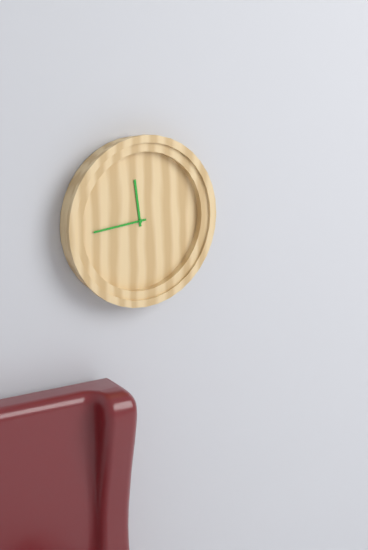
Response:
11,44
